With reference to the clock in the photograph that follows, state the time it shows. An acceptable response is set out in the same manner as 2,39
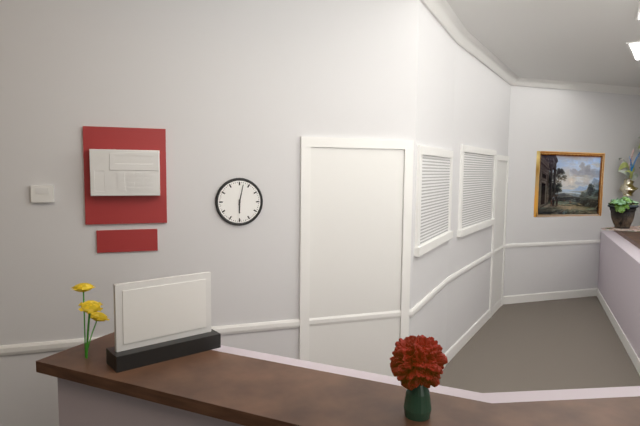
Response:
6,02
